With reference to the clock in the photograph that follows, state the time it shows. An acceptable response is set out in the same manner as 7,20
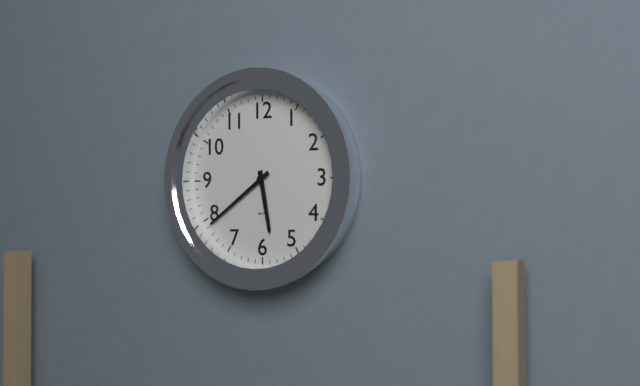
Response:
5,39
